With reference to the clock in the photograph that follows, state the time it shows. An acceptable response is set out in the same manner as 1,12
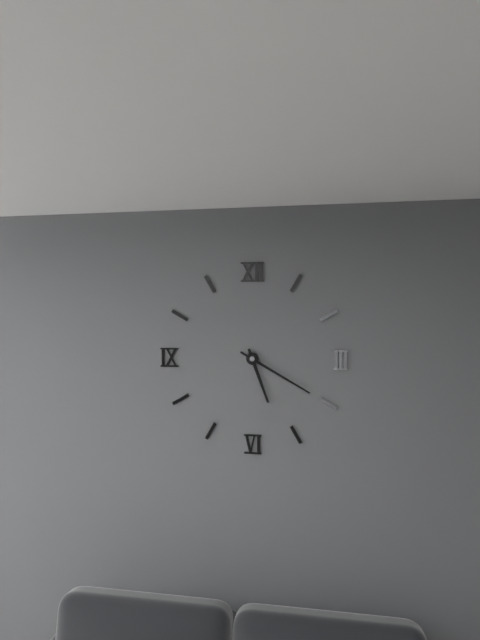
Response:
5,20
